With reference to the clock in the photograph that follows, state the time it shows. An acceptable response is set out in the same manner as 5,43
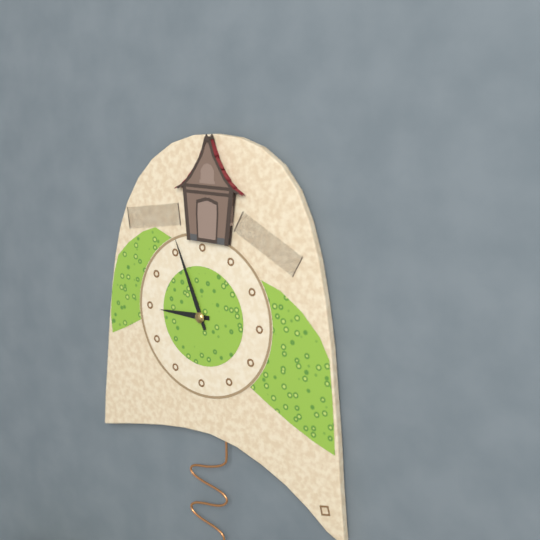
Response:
8,56
